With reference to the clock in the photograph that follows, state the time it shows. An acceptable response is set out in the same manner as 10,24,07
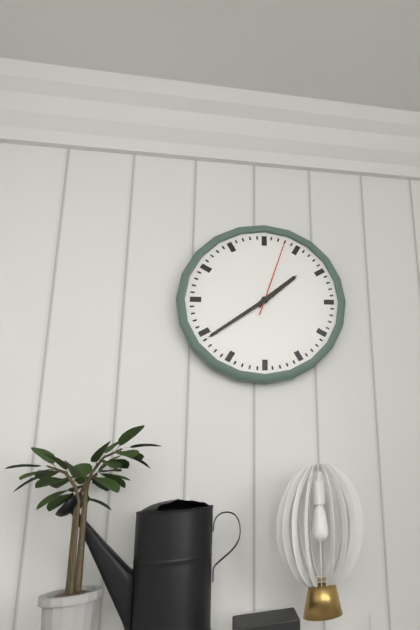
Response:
1,39,03
